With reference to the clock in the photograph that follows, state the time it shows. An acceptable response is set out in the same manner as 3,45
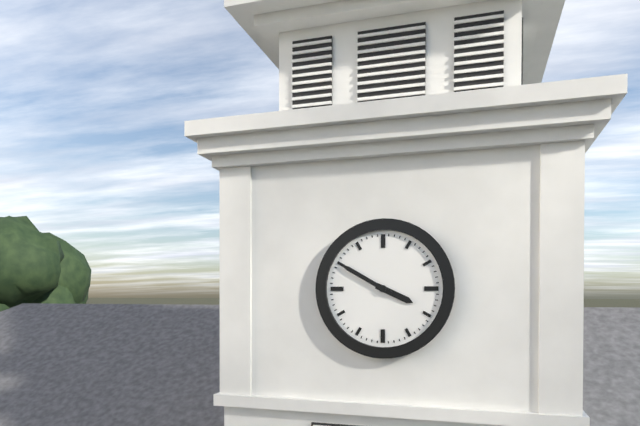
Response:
3,50
